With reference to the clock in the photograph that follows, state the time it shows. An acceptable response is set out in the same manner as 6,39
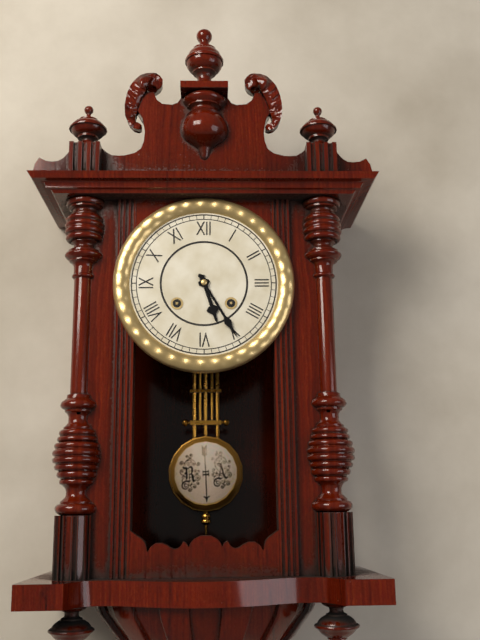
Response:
5,25
